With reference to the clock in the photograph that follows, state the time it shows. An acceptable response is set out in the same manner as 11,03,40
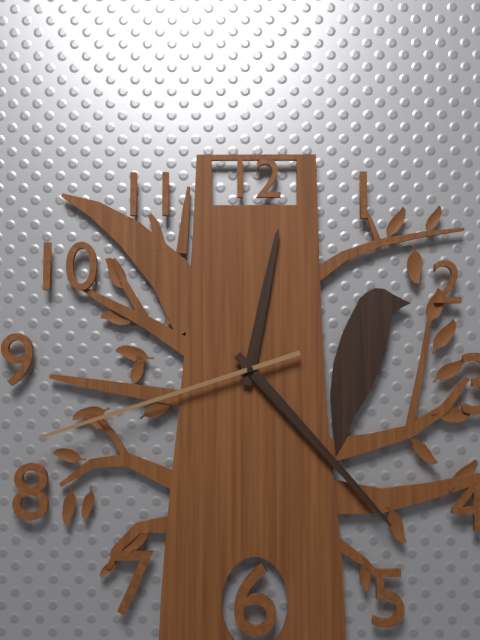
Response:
12,23,42
